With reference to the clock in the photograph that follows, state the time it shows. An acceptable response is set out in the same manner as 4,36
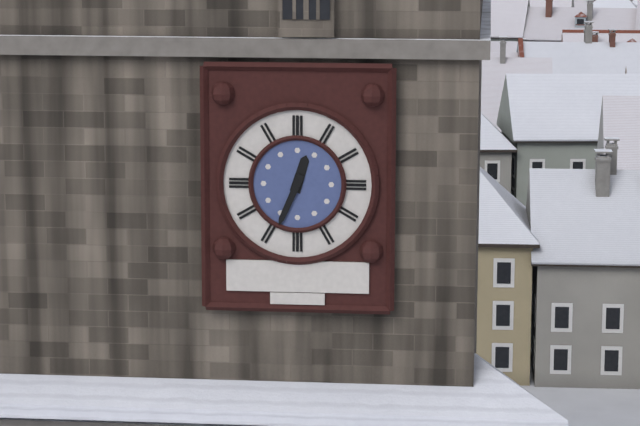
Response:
12,34
